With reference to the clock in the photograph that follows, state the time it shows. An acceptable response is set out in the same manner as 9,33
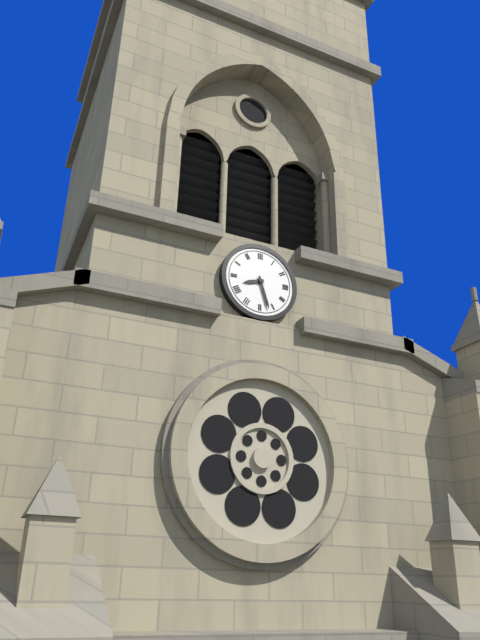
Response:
8,27
